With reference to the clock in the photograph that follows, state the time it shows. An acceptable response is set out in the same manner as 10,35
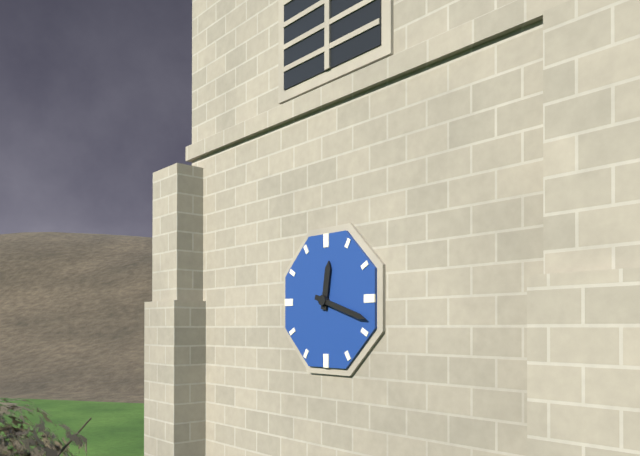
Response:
12,18
